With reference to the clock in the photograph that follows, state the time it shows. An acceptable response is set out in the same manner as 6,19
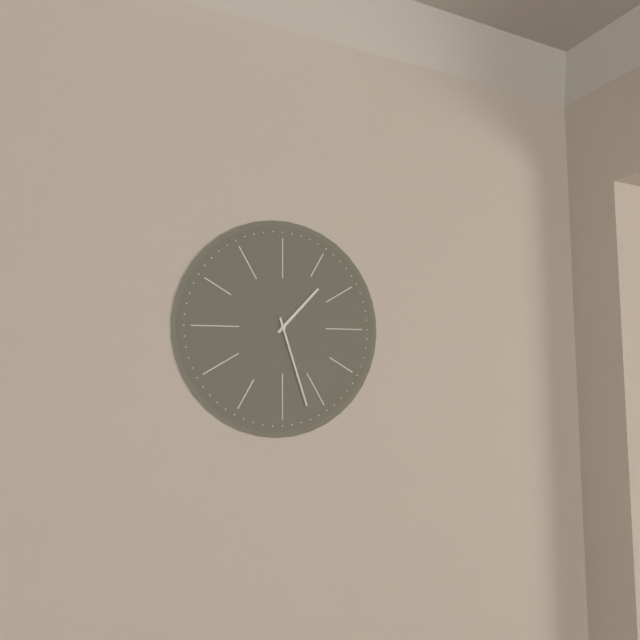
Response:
1,27
